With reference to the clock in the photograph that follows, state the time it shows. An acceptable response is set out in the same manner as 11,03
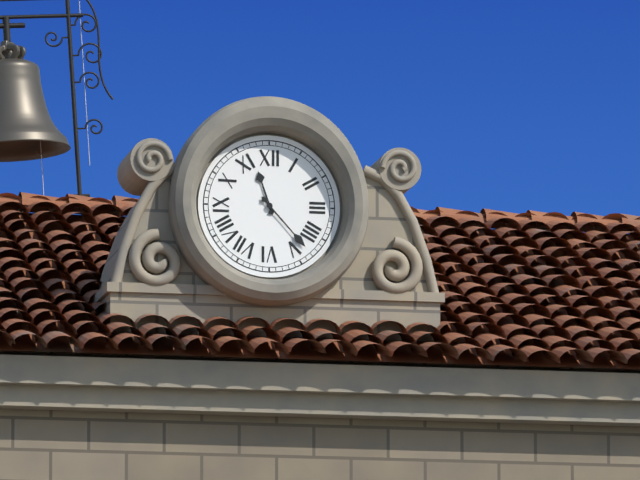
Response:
11,23
